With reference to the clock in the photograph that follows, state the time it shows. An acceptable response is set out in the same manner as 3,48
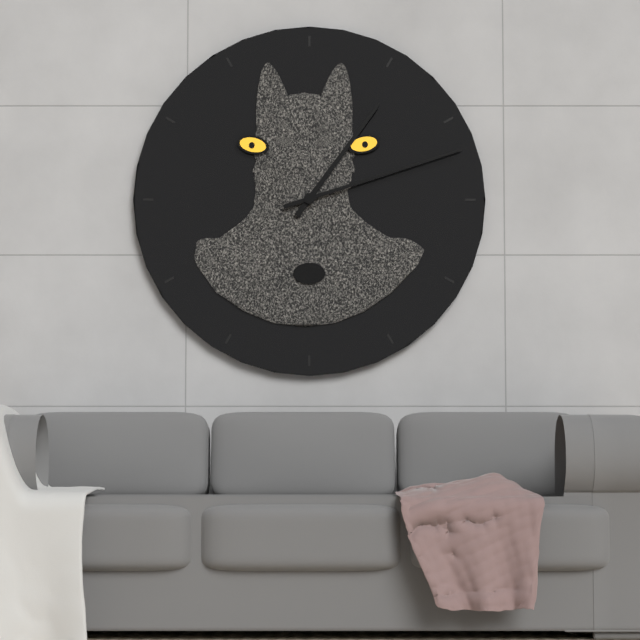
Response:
1,12
